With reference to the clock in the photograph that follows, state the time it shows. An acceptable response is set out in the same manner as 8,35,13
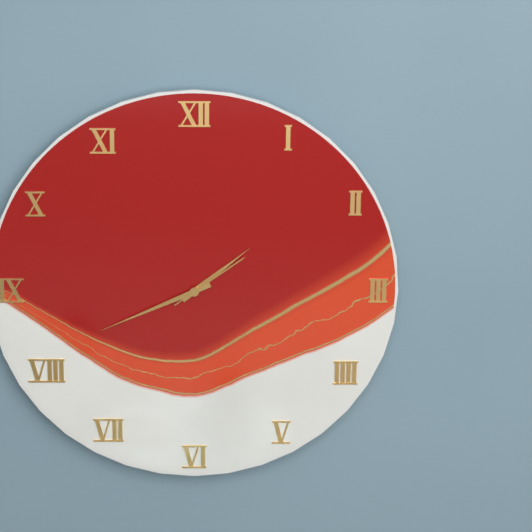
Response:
1,41,09
